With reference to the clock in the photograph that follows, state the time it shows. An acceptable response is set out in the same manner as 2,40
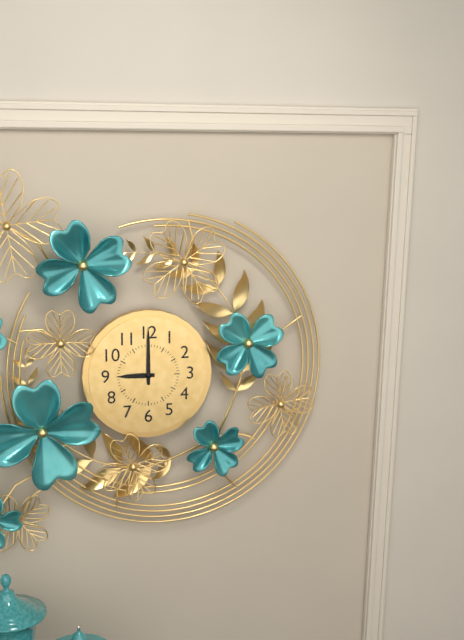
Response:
9,00
